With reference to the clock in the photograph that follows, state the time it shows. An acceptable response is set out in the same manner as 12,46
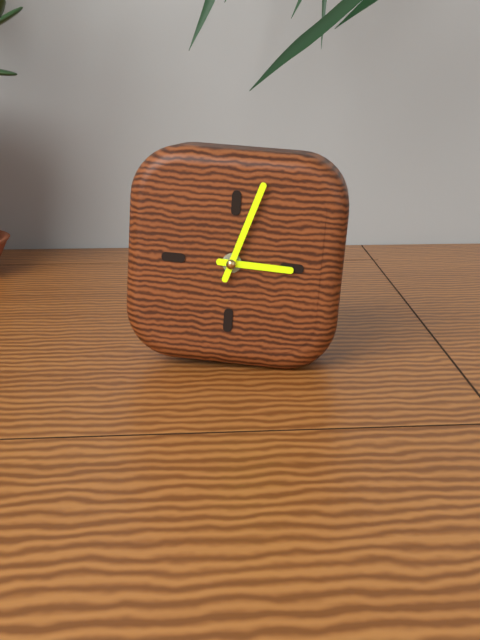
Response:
3,03
